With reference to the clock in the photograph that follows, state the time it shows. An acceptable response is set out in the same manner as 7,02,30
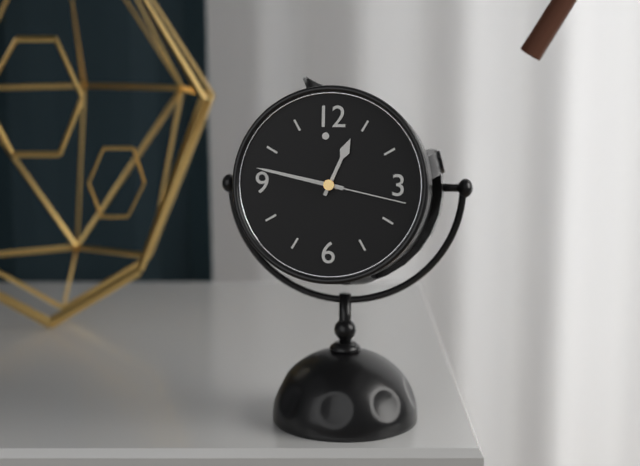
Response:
12,47,17
